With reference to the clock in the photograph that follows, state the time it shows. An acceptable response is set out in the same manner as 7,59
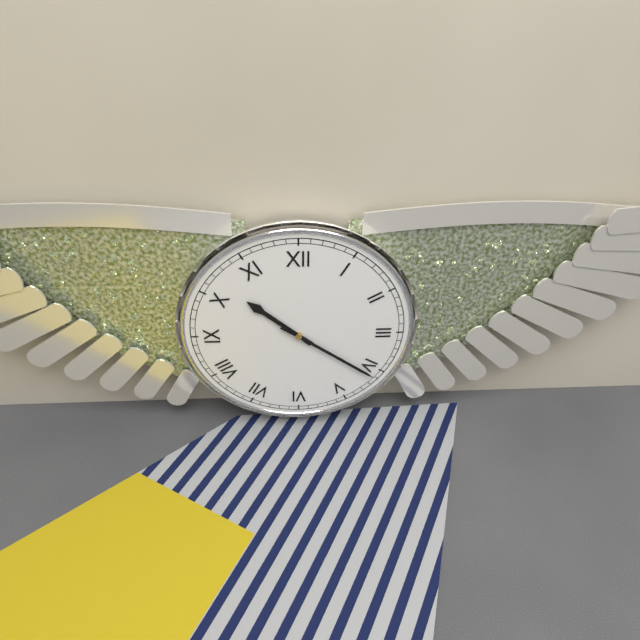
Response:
10,21
